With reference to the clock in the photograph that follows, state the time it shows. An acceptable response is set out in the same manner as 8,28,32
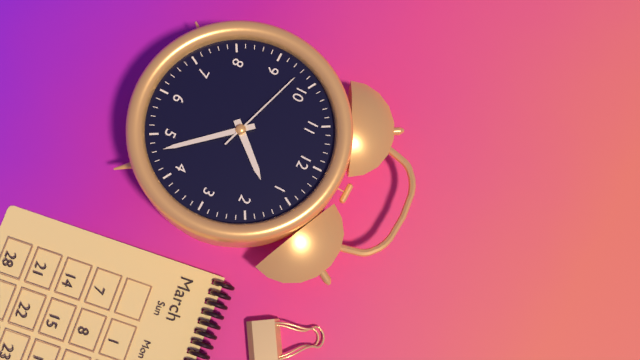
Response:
1,23,48
